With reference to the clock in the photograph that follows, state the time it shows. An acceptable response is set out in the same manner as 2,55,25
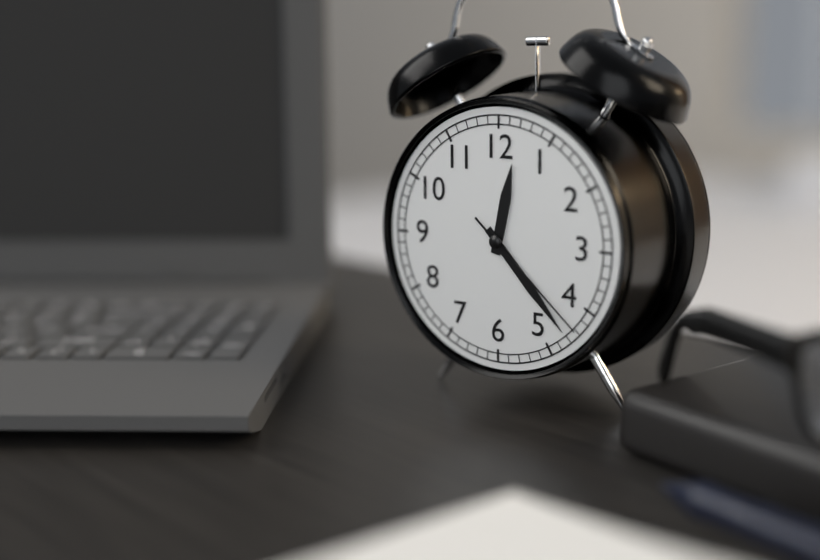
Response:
12,23,22
